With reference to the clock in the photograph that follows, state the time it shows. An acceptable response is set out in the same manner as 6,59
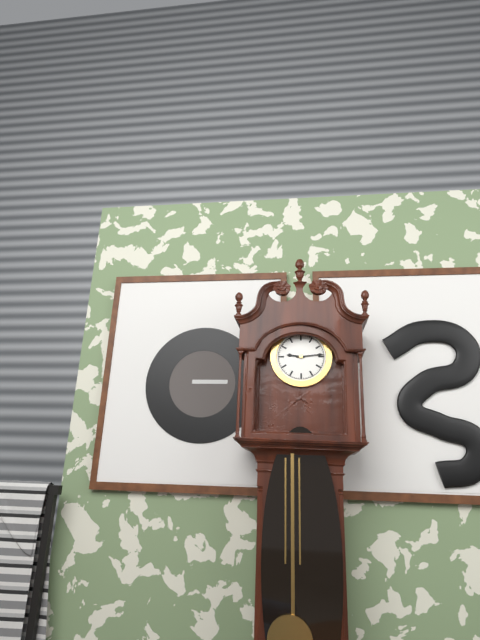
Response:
9,14
